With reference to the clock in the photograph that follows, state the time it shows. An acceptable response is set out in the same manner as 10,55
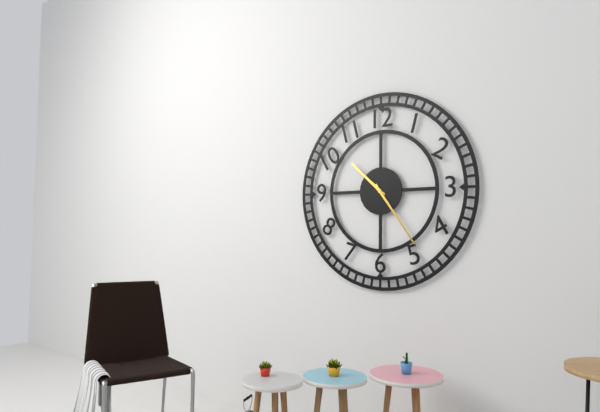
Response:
10,24
